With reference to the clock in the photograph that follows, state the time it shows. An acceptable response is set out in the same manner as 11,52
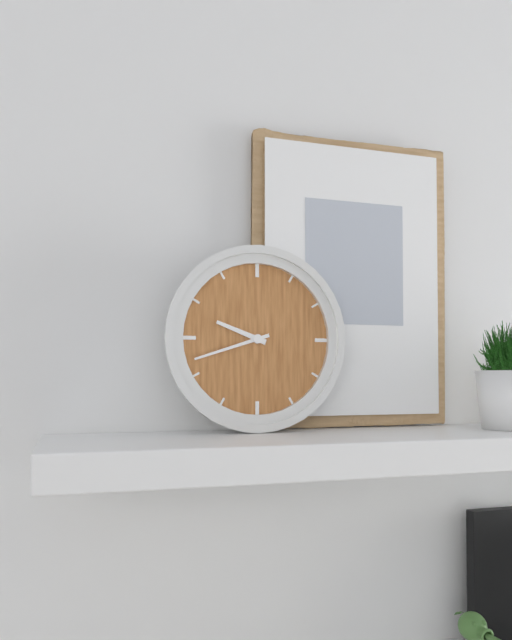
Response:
9,42
